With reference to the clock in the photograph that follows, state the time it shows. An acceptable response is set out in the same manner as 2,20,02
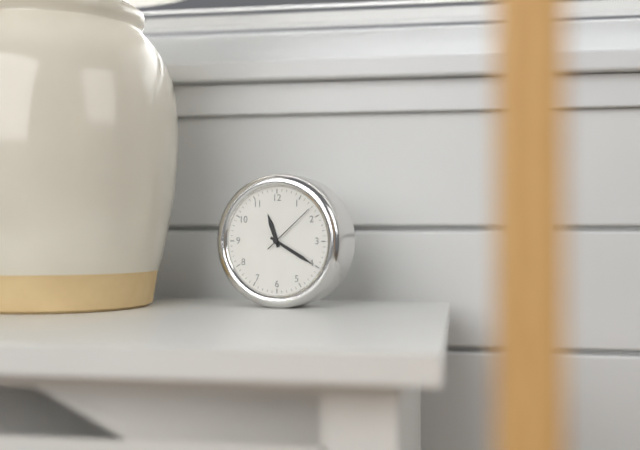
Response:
11,20,08
